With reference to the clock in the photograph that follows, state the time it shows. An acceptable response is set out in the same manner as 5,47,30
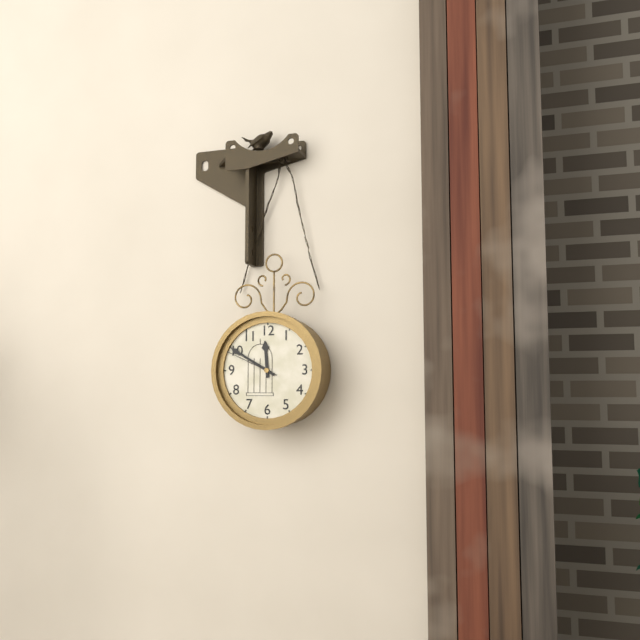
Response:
11,50,49
